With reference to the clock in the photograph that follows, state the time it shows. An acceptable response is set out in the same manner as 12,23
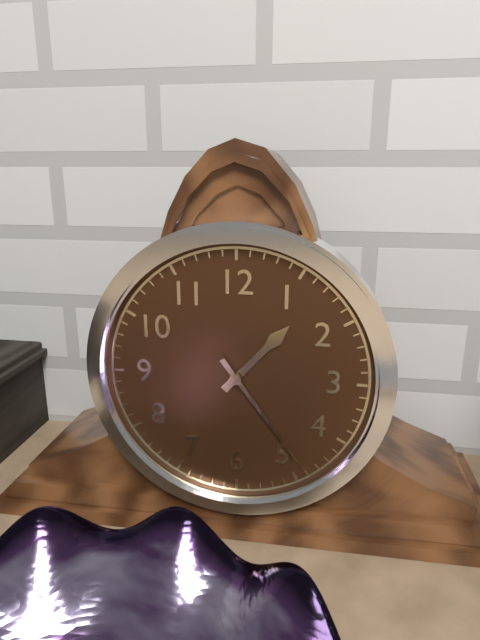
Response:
1,24
